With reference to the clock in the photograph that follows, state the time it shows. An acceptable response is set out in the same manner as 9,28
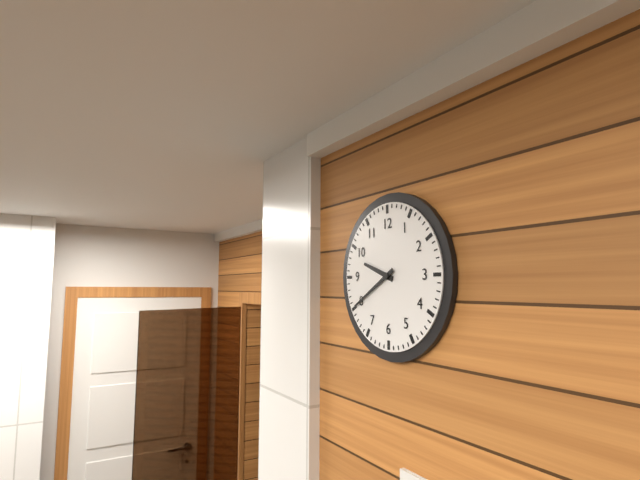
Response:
9,40
